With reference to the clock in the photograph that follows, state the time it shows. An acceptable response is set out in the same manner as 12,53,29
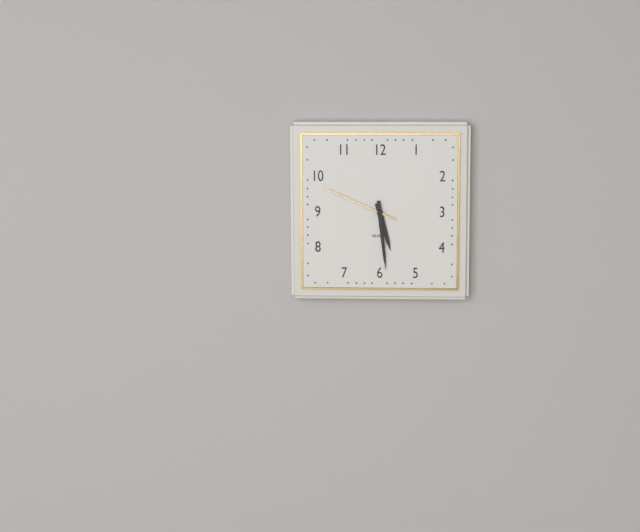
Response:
5,29,49
